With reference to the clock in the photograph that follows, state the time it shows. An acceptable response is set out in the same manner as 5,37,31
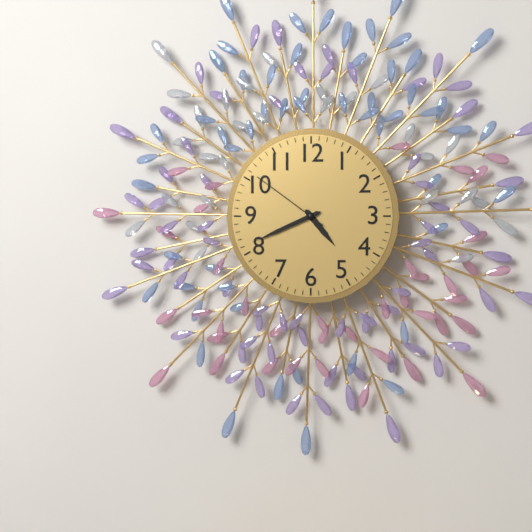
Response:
4,41,51
